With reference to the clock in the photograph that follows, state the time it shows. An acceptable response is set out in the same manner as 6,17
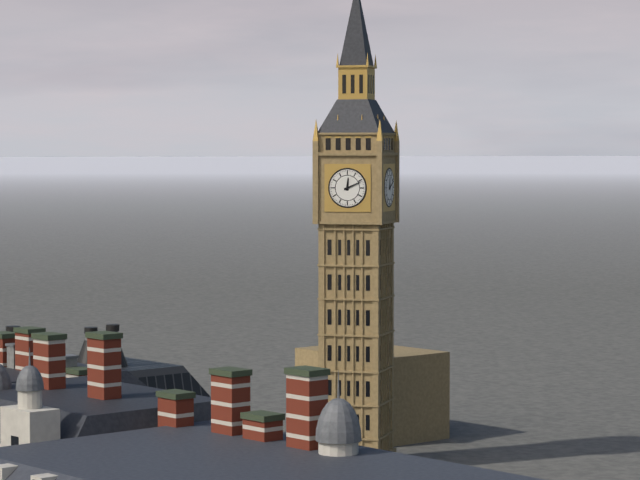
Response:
12,11
